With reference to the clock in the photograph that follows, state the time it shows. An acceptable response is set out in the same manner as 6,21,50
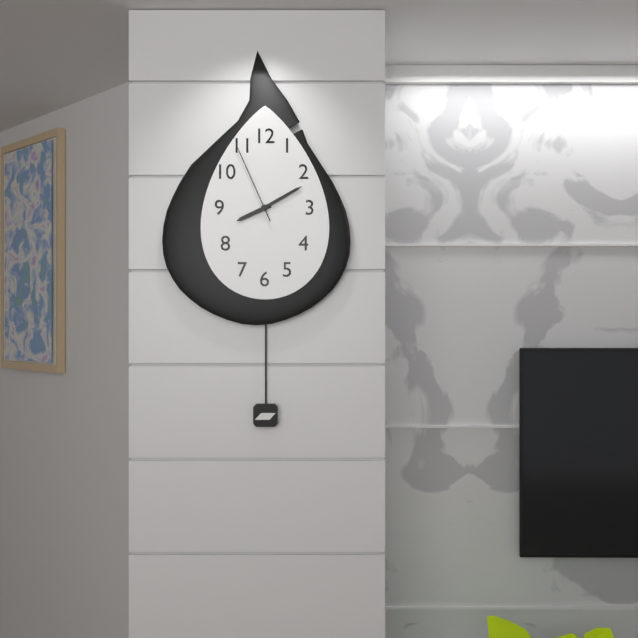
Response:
8,10,56
